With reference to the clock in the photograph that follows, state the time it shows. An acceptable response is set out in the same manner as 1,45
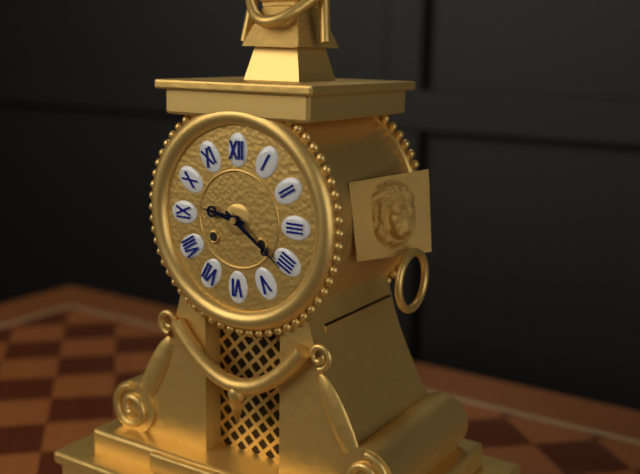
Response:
9,21
